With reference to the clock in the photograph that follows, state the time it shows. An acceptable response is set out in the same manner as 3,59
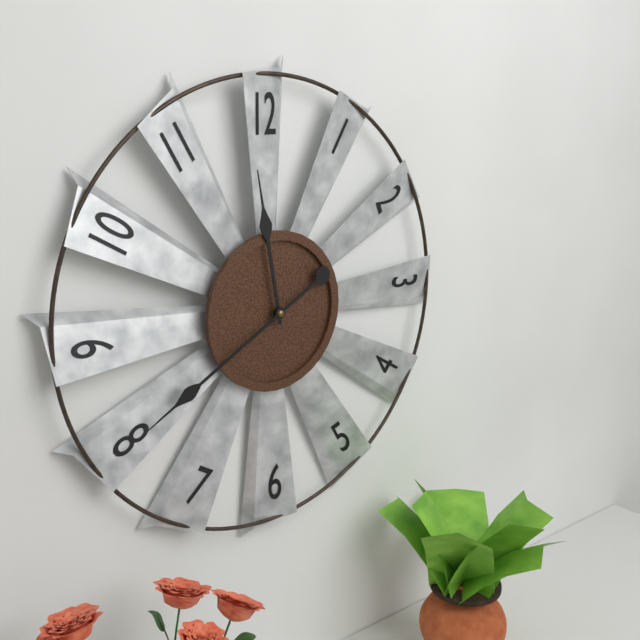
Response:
11,40
